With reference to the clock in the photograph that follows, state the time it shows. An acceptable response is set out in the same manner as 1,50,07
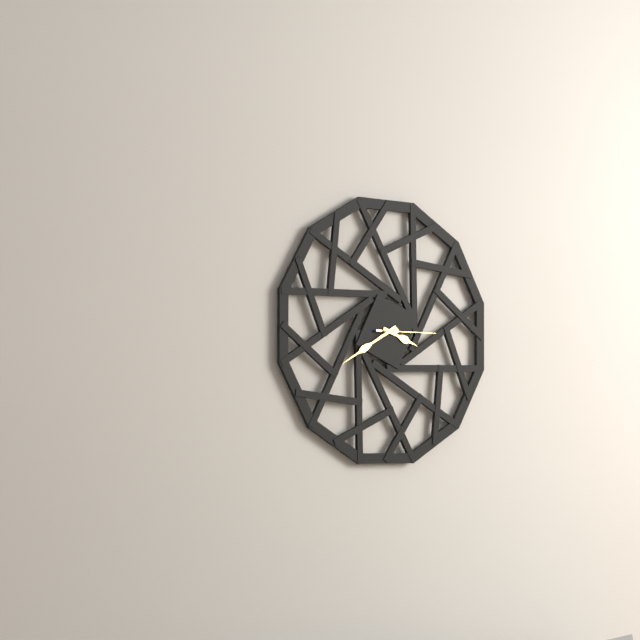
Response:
3,40,15
